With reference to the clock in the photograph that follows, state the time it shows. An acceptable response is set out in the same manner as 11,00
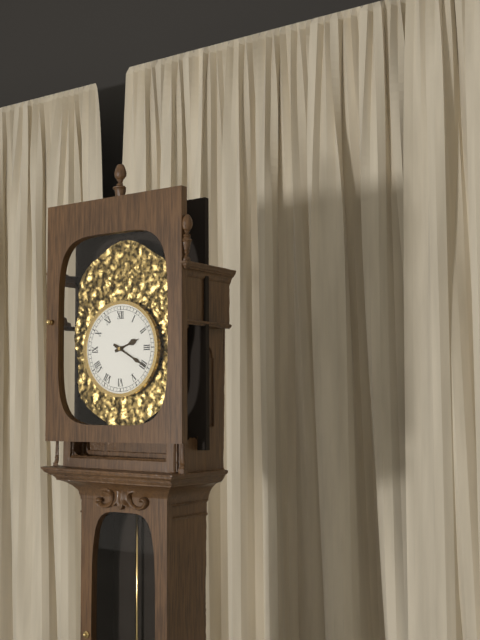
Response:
2,20
